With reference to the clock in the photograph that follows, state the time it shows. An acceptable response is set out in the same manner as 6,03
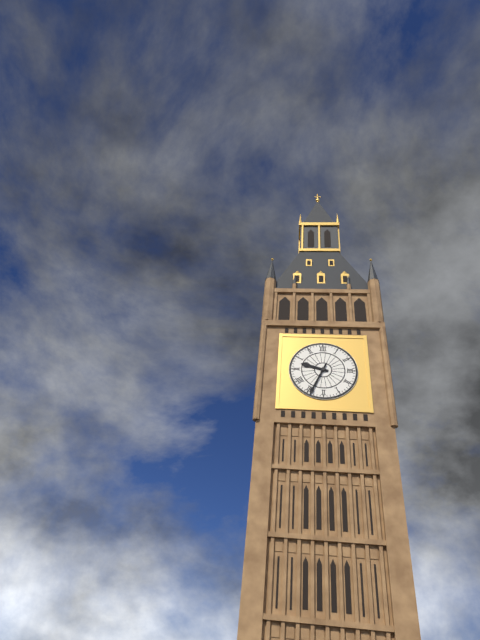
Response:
9,34
